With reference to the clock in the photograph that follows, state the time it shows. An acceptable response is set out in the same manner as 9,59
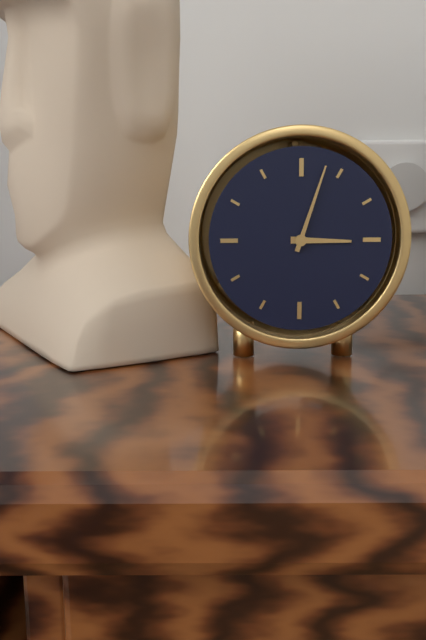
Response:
3,03
